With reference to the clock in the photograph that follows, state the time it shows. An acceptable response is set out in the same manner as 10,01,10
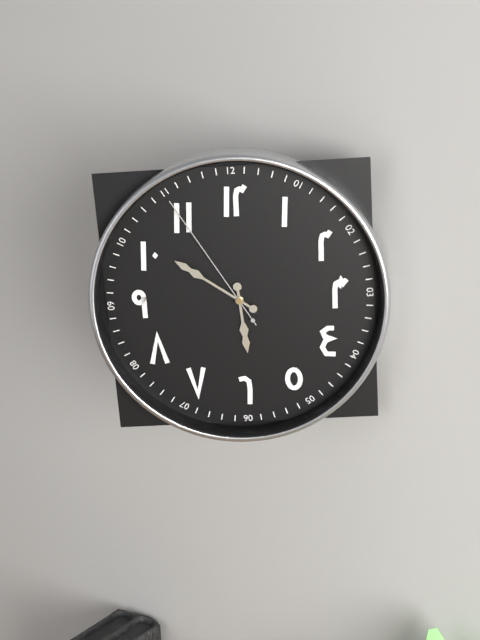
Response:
5,51,55
